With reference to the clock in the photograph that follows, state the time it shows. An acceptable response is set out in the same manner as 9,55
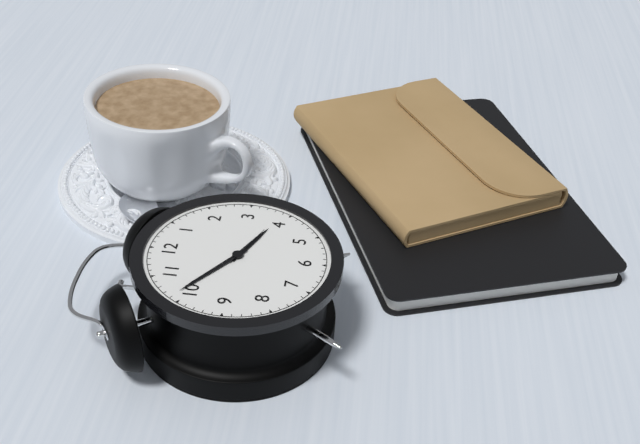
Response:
3,51
